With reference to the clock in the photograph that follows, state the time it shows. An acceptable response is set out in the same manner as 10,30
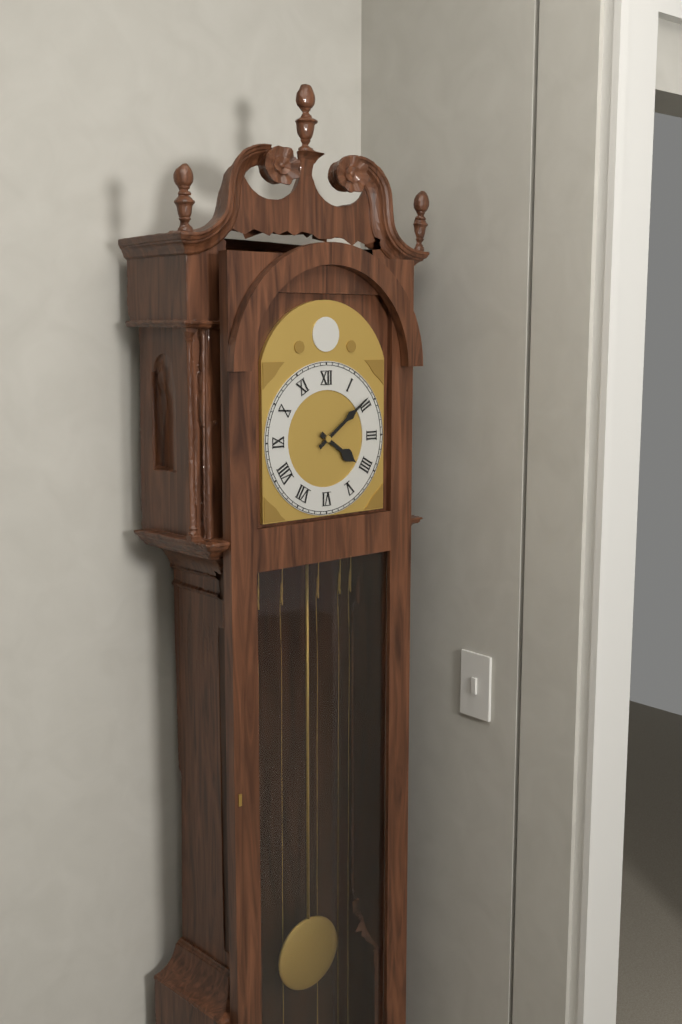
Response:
4,09
